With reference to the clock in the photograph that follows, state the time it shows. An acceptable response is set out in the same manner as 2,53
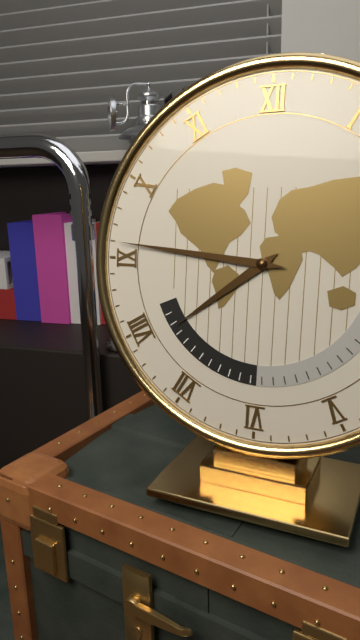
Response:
7,46
